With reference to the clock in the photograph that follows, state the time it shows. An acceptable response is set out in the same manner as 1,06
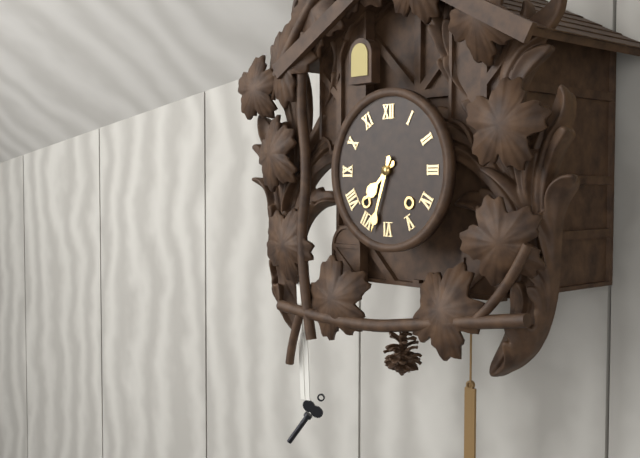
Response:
7,33
